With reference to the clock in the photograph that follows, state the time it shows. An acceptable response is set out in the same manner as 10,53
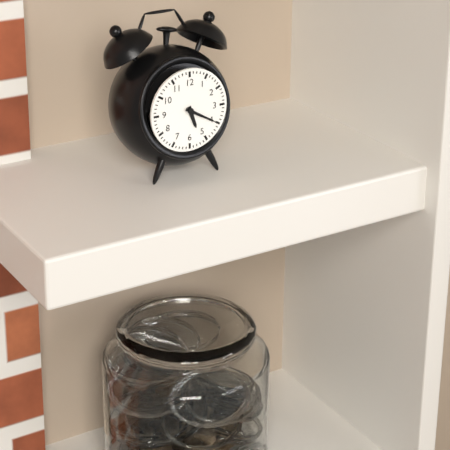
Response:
5,20
